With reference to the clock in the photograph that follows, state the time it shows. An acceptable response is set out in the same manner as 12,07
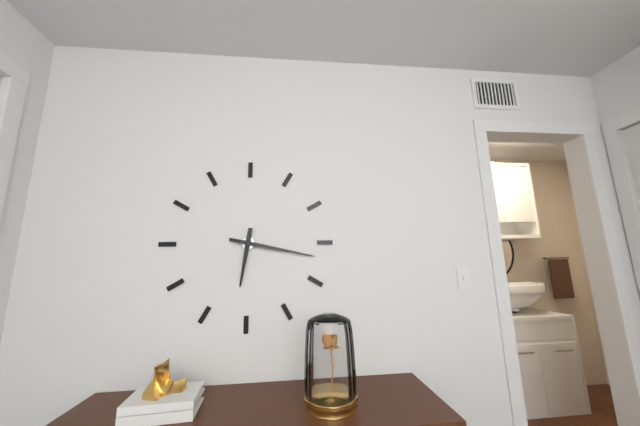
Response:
6,17
